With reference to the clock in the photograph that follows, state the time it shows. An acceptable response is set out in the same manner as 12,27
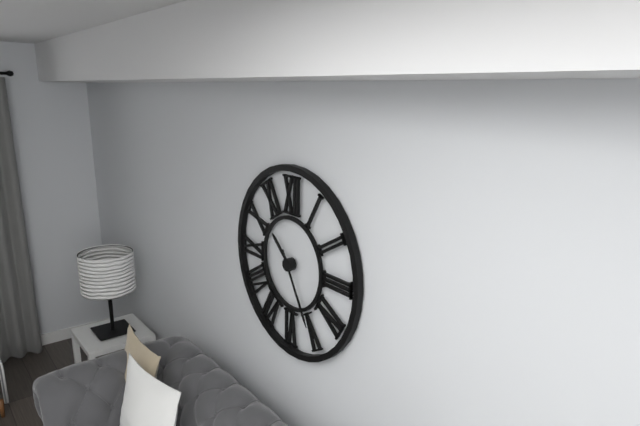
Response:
10,25
